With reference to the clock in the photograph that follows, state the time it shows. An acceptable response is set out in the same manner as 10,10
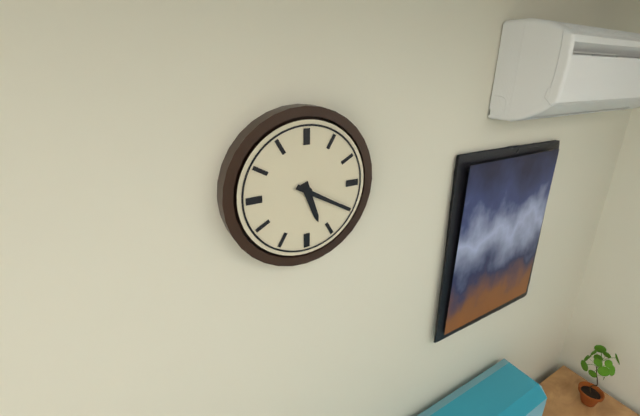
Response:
5,20
